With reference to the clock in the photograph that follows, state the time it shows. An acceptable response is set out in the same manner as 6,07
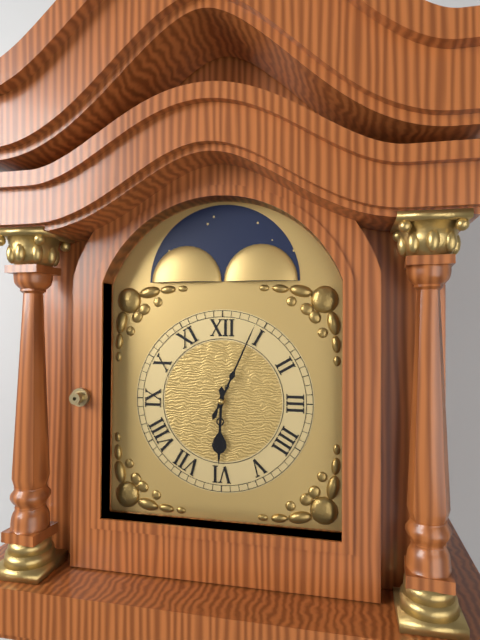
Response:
6,04
